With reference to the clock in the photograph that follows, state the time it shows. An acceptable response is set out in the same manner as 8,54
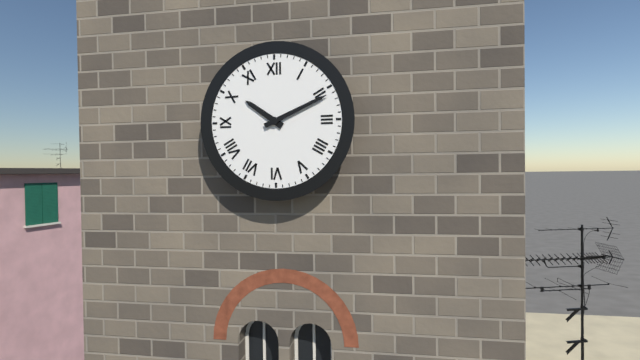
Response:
10,11
